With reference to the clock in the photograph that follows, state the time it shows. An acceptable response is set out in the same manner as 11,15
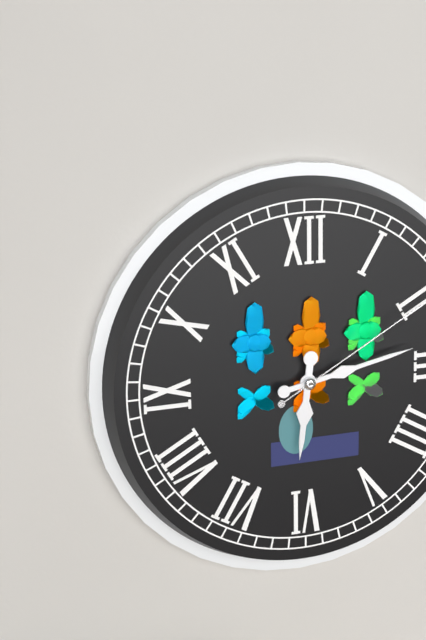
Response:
6,13
